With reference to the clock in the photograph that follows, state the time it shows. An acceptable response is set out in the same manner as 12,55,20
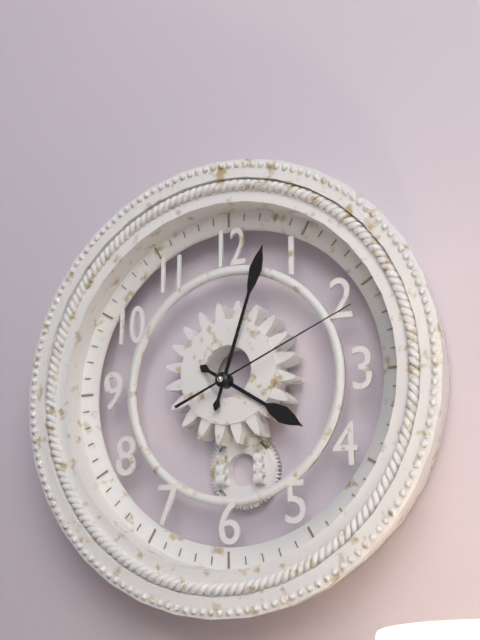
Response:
4,03,11
